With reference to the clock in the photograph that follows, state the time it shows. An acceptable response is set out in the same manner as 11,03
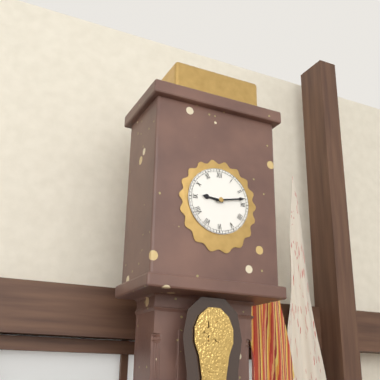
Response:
9,13
